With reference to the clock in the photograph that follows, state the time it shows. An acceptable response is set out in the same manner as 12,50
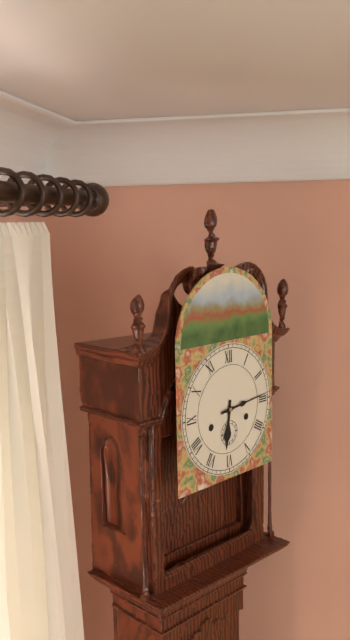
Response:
6,14
